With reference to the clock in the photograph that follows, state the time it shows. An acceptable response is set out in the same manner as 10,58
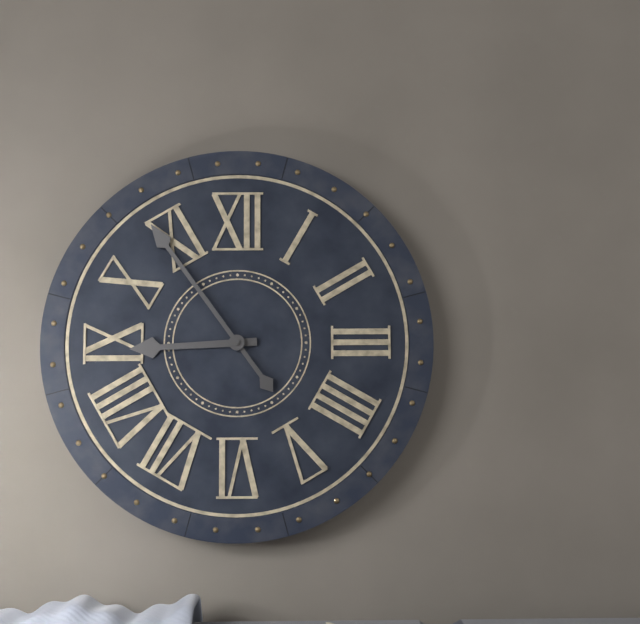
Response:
8,54
